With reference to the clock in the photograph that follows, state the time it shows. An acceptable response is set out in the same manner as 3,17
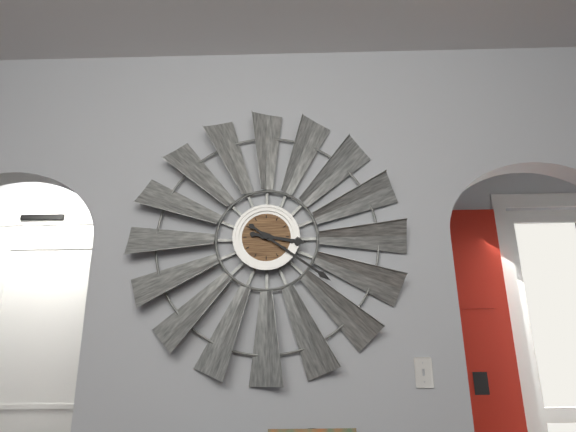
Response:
3,21
